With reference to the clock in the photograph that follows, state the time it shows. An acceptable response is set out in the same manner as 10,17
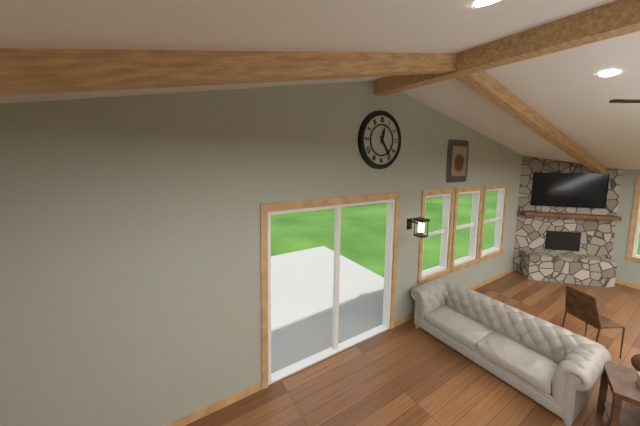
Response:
12,24
